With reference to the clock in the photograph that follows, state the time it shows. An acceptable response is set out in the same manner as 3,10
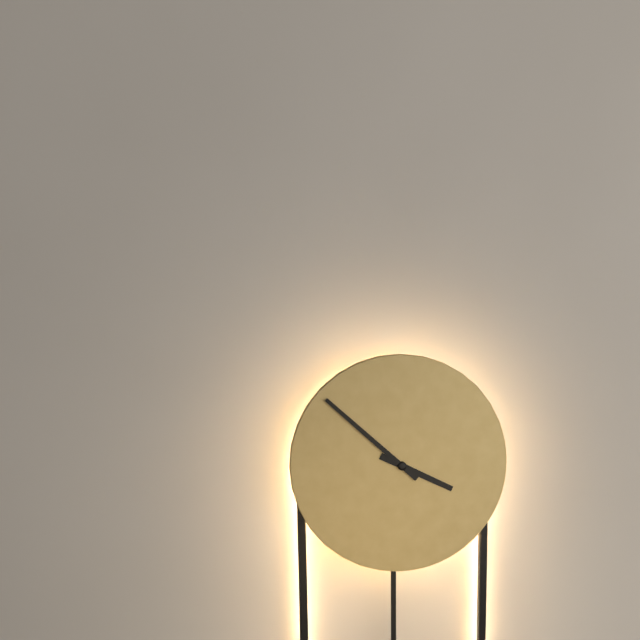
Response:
3,52
